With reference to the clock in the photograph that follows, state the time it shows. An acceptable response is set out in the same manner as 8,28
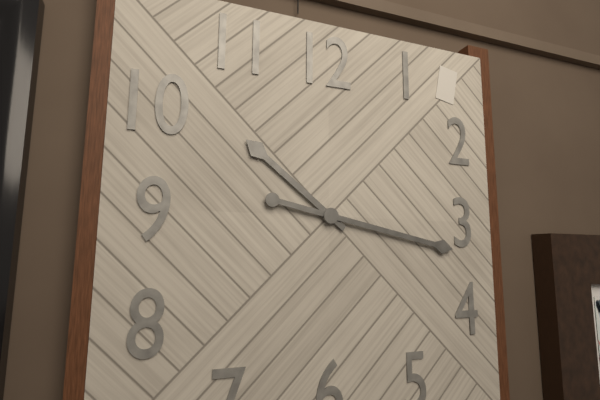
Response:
10,17
